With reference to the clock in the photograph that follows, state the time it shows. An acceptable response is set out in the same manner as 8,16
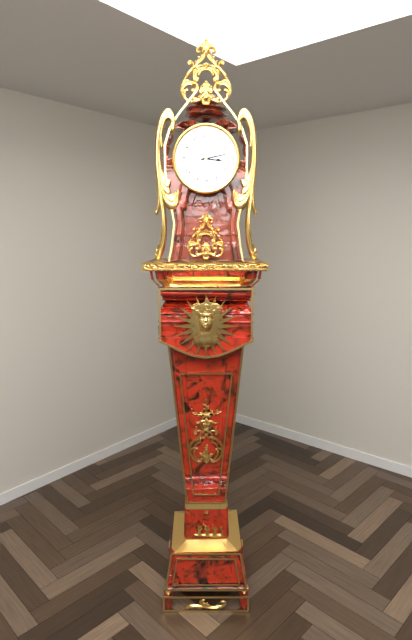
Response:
3,13
